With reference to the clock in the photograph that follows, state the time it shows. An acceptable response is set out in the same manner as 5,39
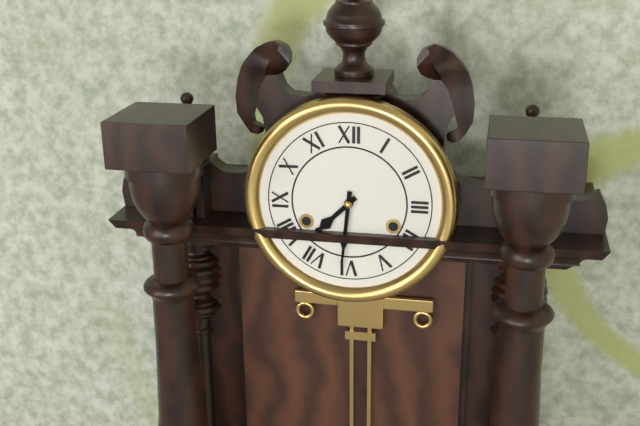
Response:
7,31
